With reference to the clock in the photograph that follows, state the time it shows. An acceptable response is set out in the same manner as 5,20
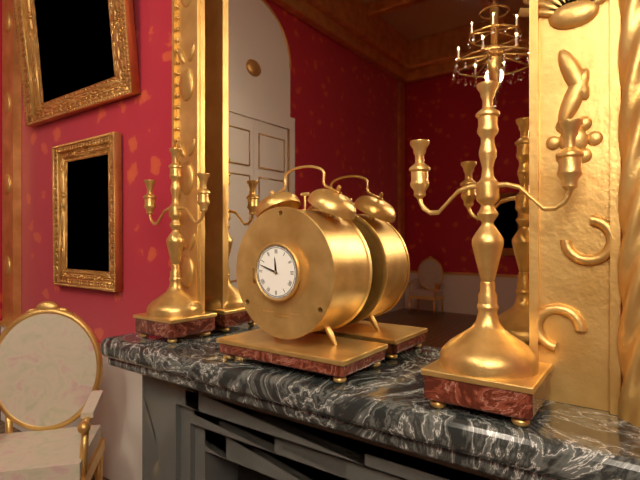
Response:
11,48
